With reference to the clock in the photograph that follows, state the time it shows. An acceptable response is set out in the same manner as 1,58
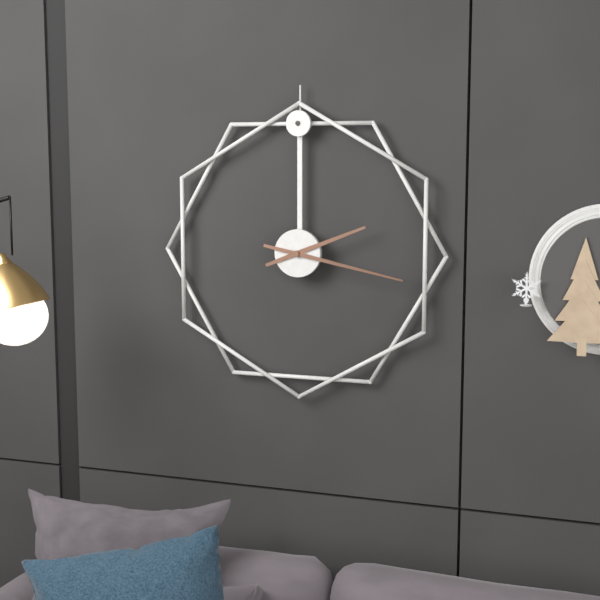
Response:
2,17
